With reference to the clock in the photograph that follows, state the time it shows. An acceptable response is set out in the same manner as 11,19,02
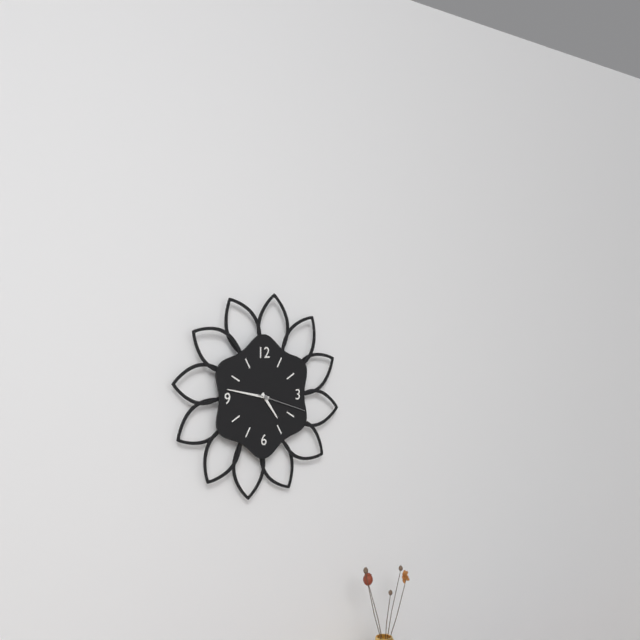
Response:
4,47,18
